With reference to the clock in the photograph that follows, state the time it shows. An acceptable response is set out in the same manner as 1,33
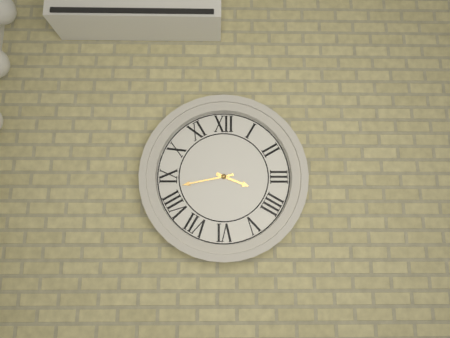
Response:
3,43
